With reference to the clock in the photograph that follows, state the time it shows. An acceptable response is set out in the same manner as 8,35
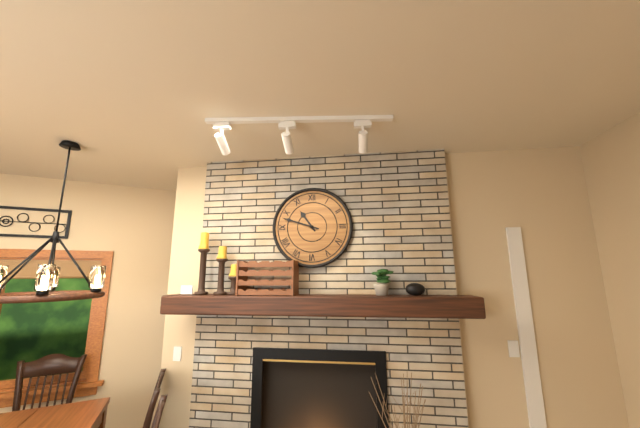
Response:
10,48
